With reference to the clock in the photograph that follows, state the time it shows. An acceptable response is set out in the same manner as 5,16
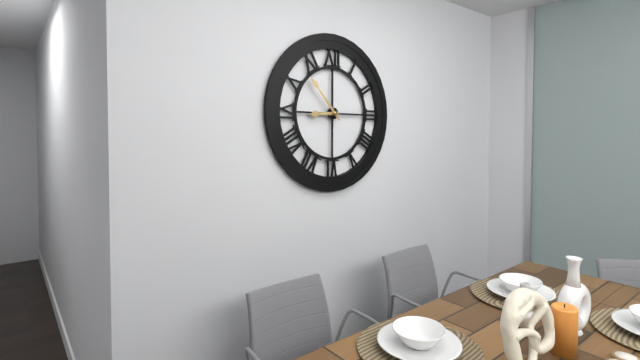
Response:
8,53
